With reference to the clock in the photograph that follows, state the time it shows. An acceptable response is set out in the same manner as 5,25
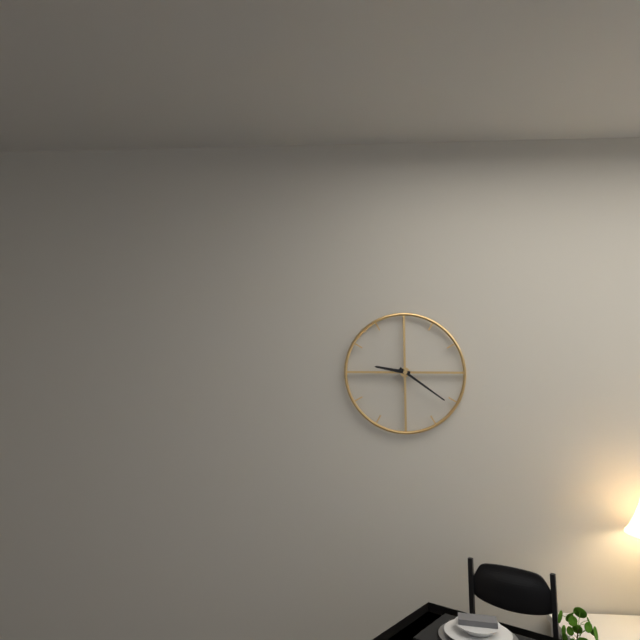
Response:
9,21
